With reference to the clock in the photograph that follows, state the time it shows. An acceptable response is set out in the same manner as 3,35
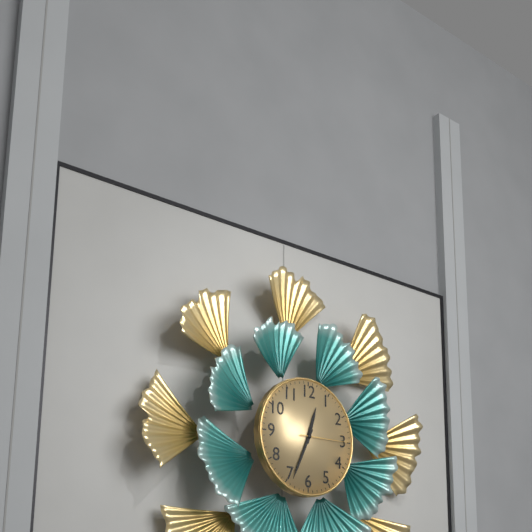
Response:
12,34
